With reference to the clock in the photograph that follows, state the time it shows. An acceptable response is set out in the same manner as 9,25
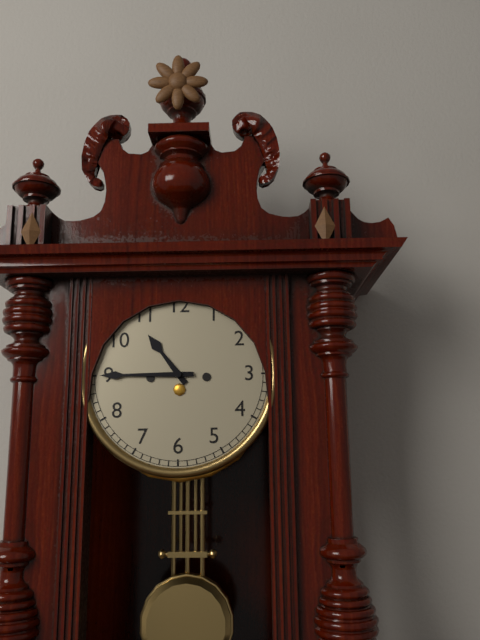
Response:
10,45
